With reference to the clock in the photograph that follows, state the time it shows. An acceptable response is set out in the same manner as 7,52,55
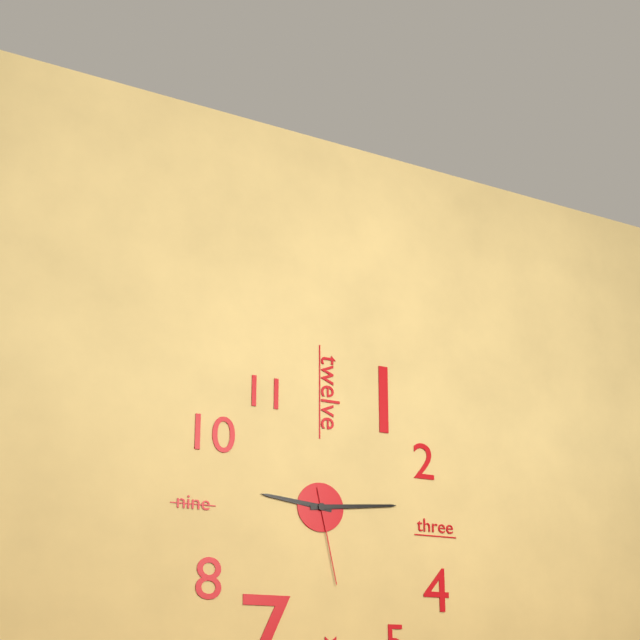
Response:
9,14,28
